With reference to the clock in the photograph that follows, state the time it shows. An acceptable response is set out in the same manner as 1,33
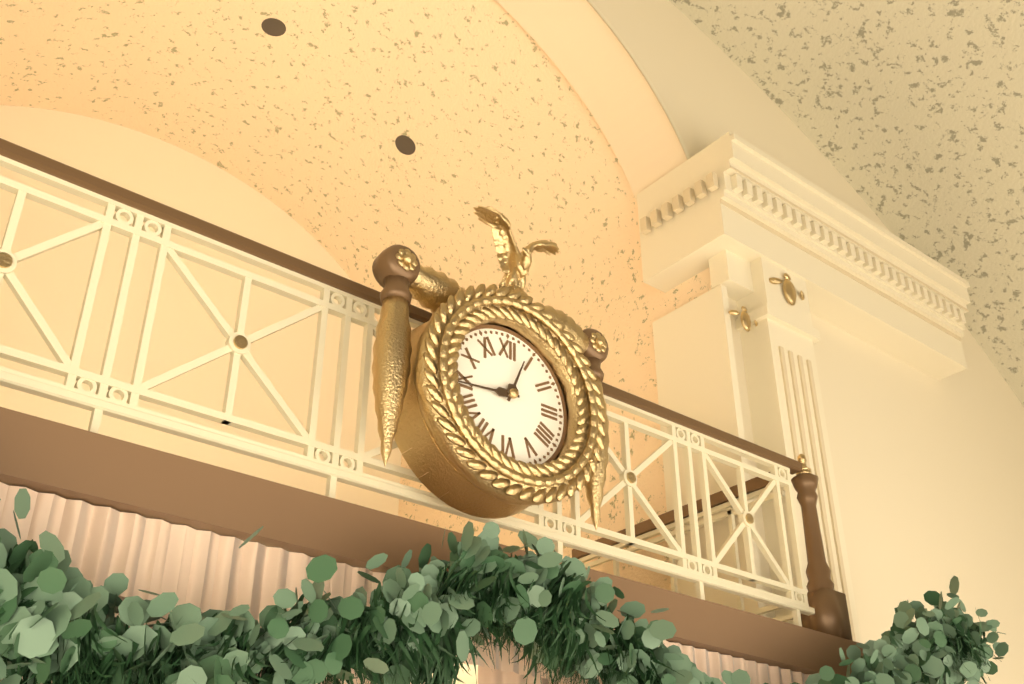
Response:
12,44
